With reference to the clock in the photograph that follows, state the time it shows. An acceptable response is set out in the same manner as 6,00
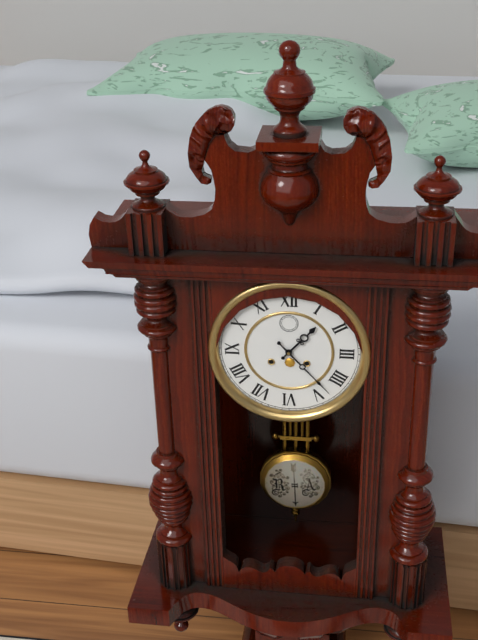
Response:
1,23
